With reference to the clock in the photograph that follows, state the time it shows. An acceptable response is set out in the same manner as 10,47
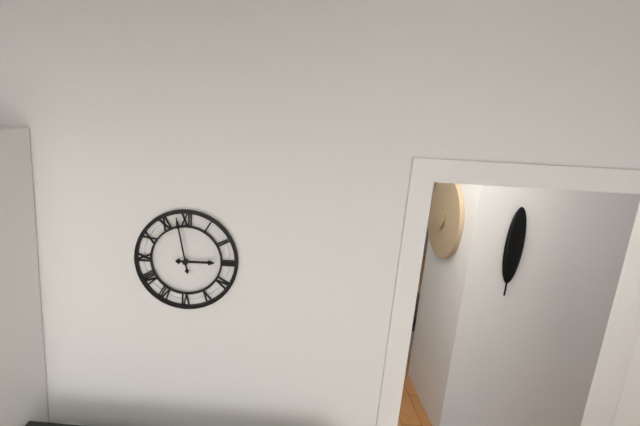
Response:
2,58
